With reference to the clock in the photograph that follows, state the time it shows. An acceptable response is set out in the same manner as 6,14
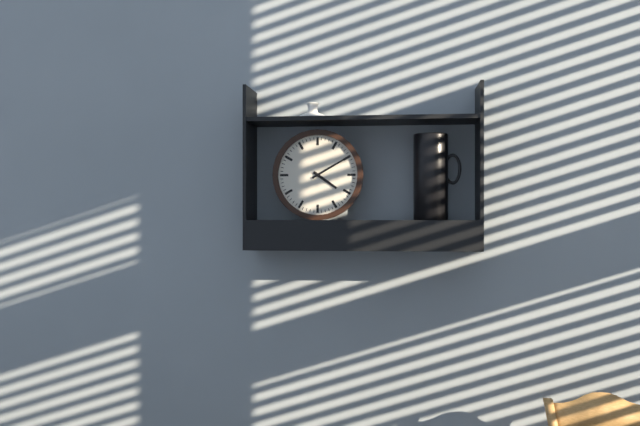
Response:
4,10
